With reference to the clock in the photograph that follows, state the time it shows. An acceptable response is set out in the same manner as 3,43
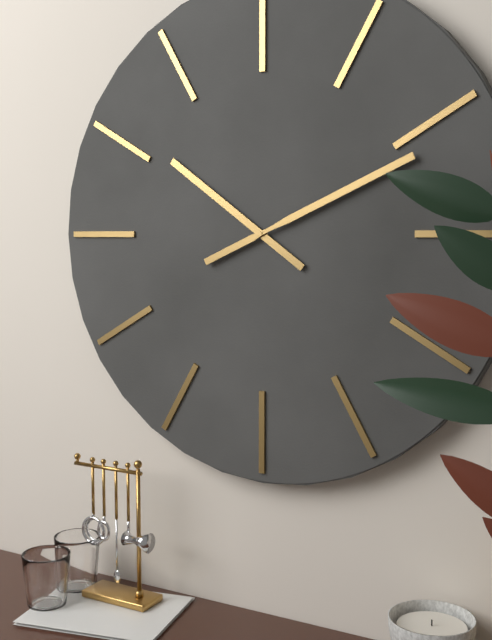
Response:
10,11
